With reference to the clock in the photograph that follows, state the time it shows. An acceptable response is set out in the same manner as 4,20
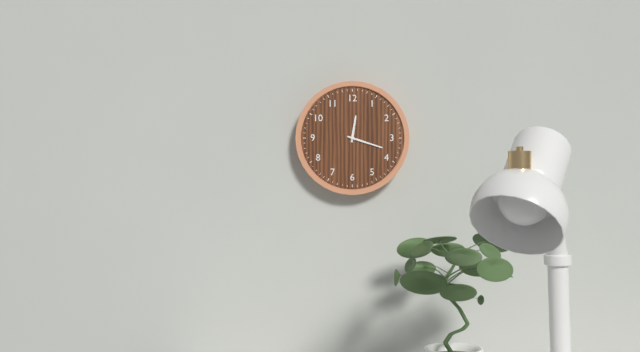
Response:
12,18
